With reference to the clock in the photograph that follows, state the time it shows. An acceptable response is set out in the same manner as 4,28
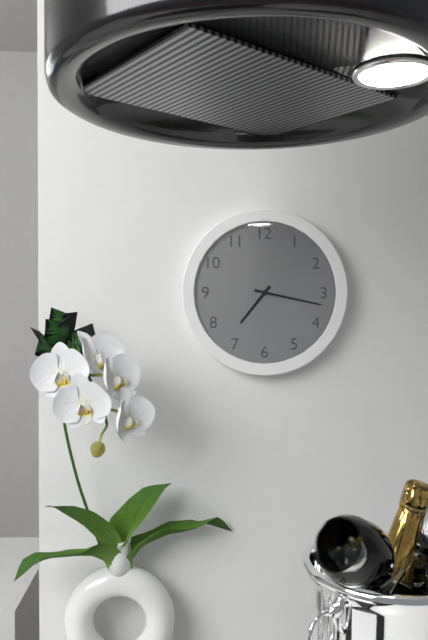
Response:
7,17
